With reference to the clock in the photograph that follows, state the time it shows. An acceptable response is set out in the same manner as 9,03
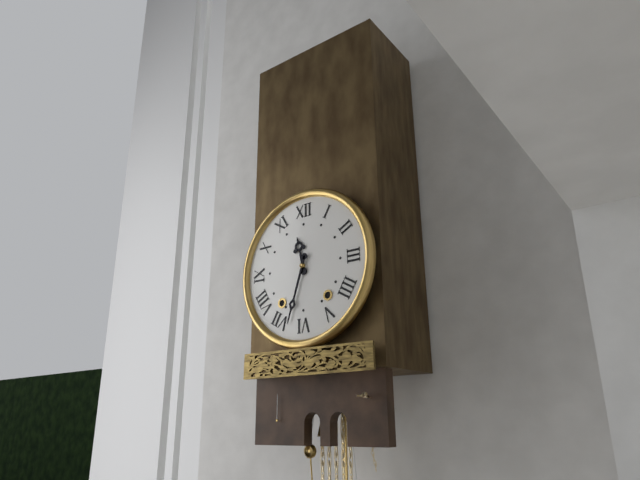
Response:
11,33
